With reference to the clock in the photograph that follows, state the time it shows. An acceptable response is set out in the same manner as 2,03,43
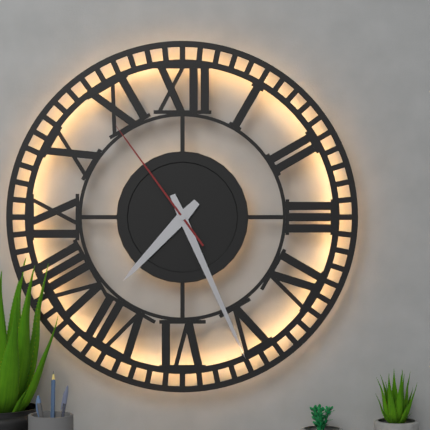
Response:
7,26,54
